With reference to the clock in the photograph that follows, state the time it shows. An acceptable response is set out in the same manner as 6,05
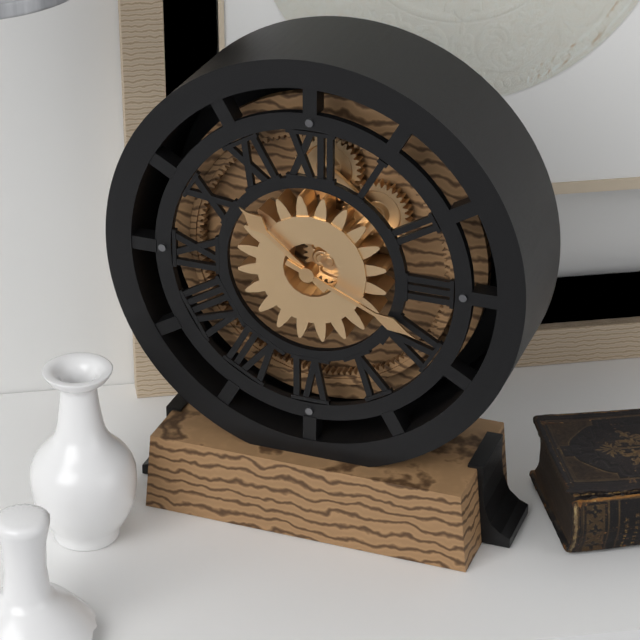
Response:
10,19
